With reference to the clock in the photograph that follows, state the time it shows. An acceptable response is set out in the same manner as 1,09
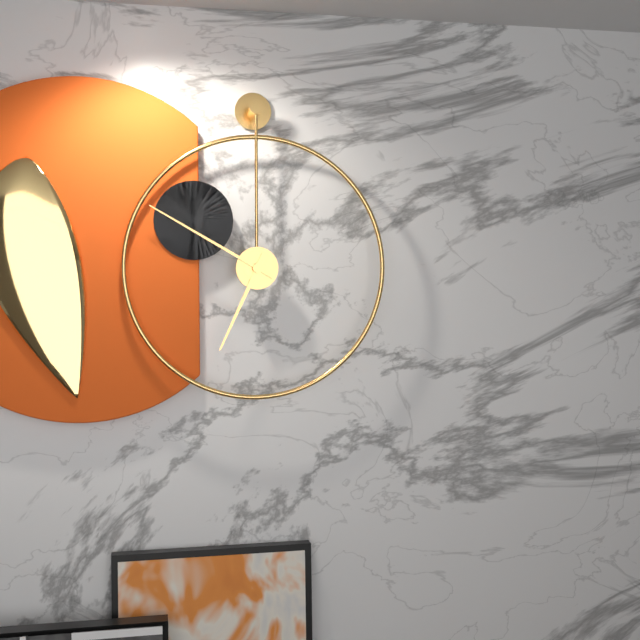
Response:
6,50
